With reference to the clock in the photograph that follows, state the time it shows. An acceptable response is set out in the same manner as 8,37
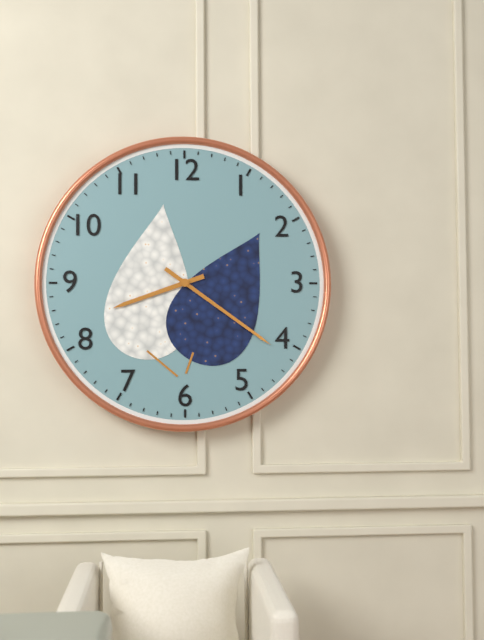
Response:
8,21
